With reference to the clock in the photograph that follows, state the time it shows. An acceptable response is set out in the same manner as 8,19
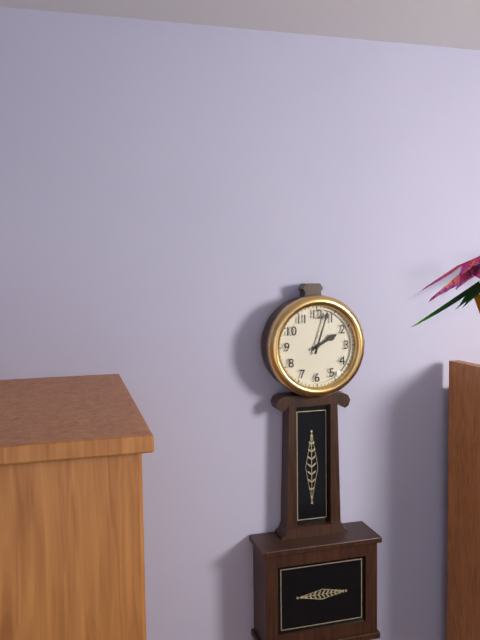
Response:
2,03
